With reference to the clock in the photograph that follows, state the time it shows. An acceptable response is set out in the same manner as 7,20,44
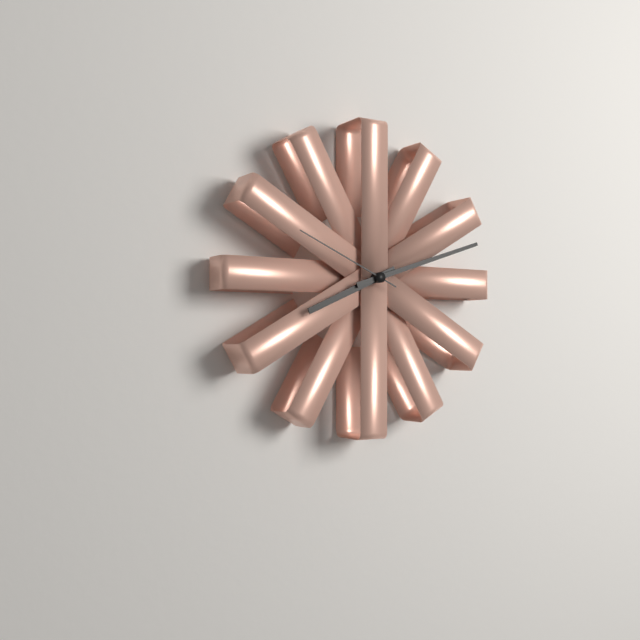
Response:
8,12,49
